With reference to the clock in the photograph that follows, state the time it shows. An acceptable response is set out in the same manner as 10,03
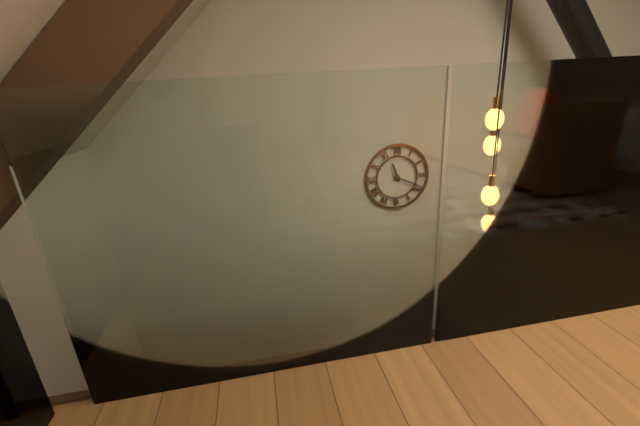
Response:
11,19
